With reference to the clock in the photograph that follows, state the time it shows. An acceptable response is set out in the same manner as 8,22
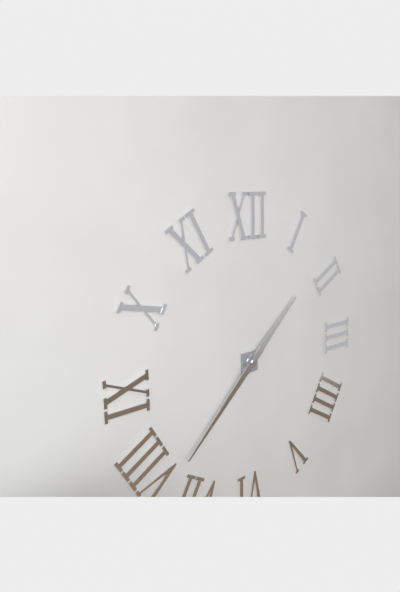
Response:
1,38
